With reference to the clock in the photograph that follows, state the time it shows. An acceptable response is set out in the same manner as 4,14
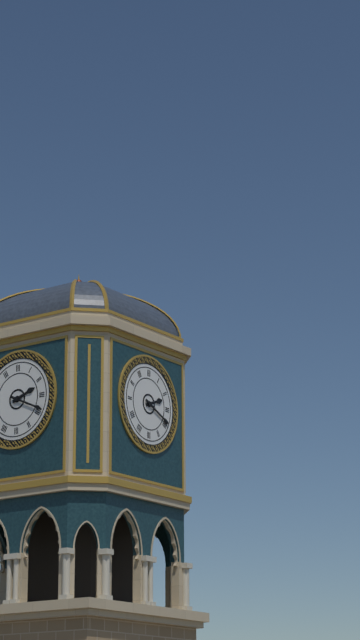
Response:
2,19
